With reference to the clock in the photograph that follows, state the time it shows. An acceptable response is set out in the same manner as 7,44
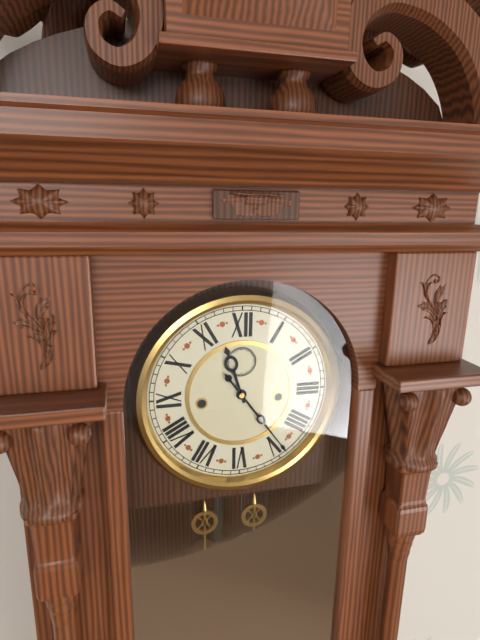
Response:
11,24
